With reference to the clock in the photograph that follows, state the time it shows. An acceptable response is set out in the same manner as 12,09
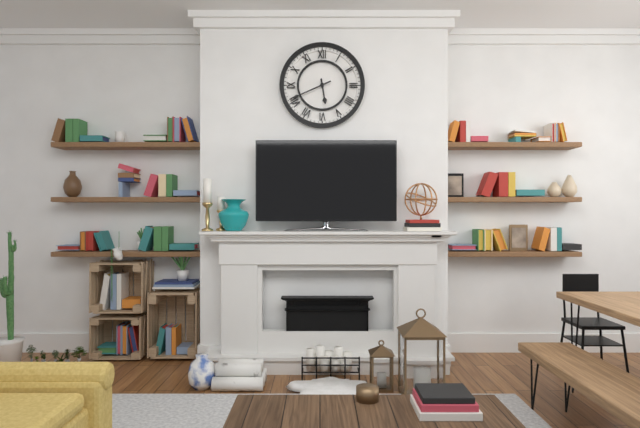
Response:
5,41
